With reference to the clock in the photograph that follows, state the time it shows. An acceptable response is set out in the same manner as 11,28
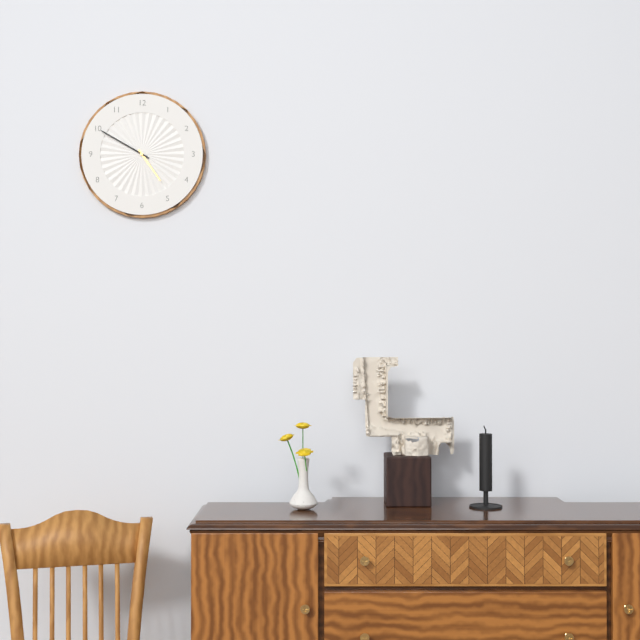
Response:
4,50
